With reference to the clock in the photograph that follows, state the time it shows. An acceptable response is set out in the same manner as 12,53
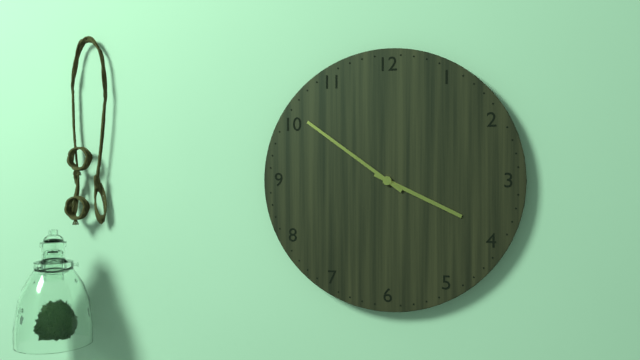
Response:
3,51
